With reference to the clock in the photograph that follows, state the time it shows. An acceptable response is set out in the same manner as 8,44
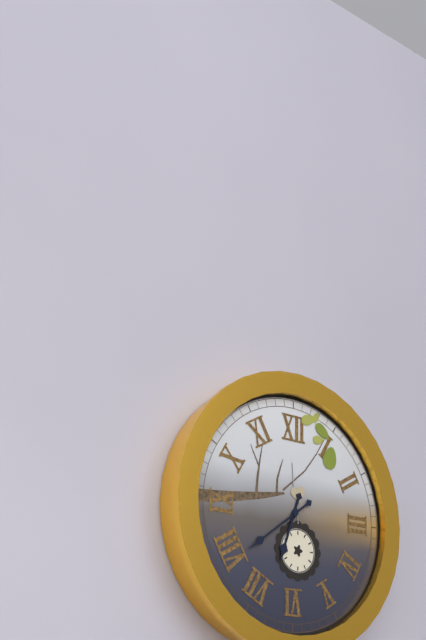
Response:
6,39
